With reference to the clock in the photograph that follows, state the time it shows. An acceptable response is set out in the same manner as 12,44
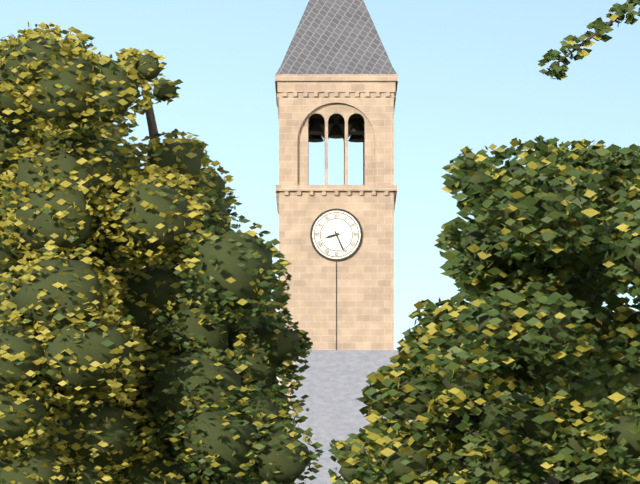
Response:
8,26
